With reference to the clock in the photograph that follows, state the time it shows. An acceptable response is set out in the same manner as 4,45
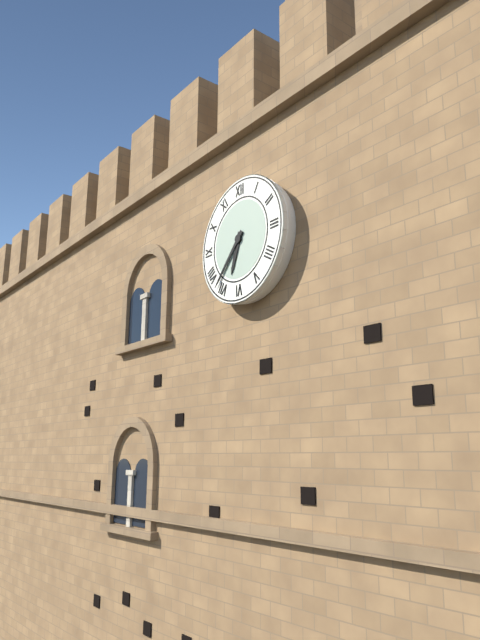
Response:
6,37
